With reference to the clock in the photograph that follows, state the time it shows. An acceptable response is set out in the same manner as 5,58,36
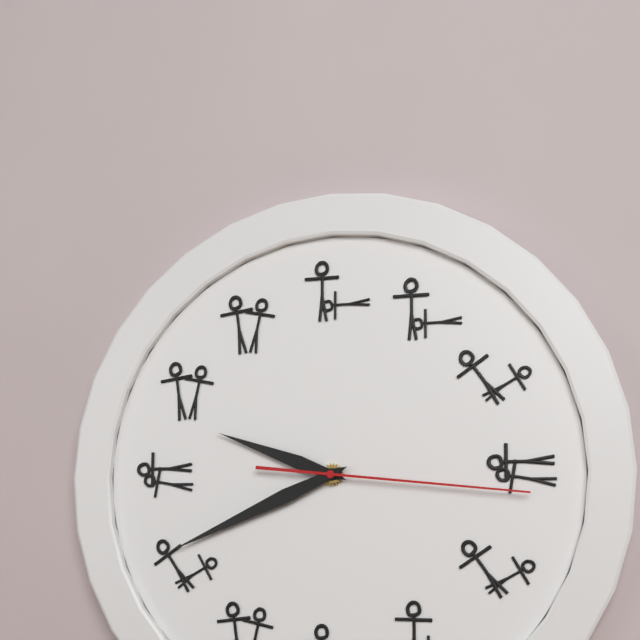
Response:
9,41,16
